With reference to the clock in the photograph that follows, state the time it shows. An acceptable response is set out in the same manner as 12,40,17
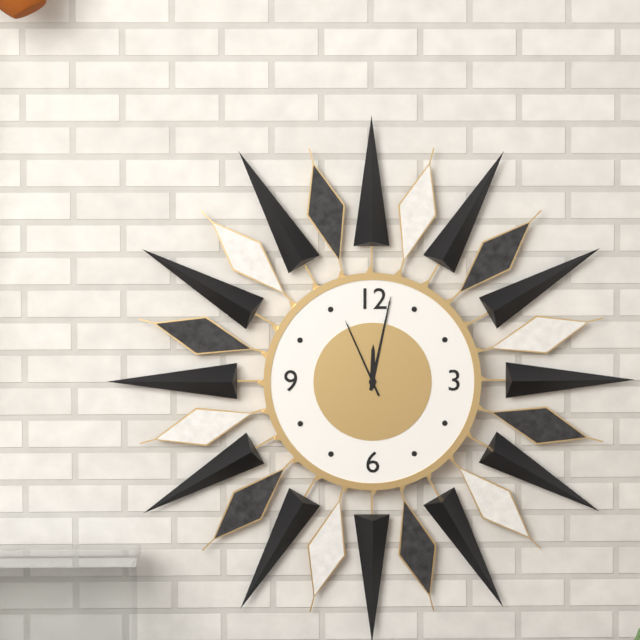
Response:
12,02,56
